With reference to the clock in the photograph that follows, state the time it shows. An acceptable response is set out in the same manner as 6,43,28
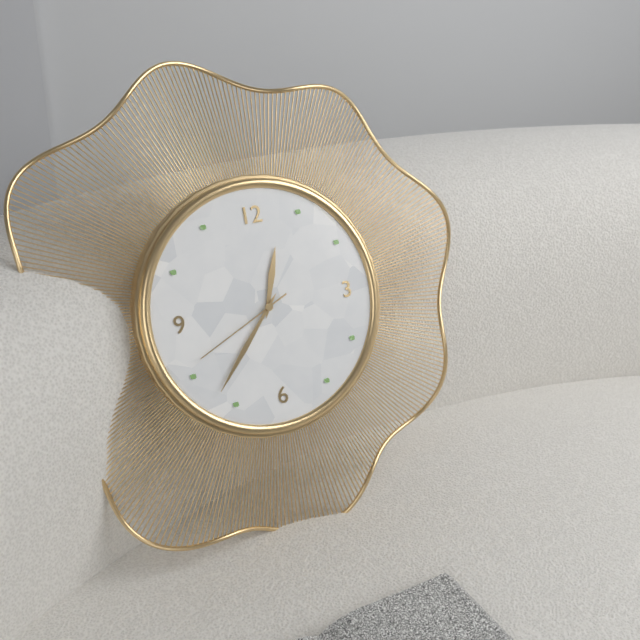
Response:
12,37,41
